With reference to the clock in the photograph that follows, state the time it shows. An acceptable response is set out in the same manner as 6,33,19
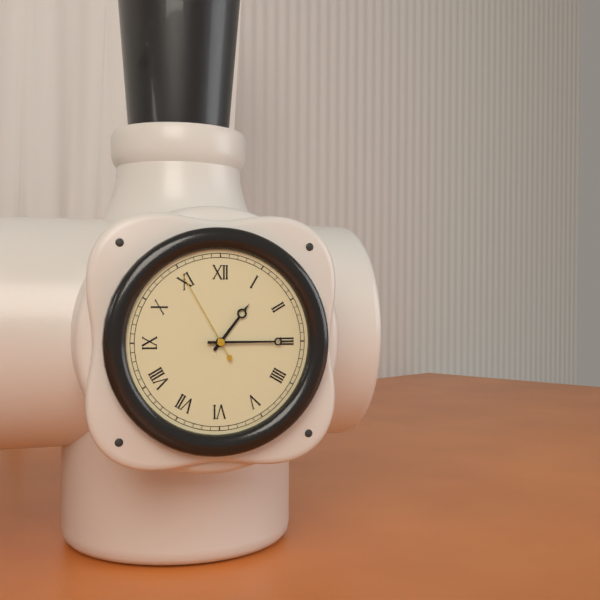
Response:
1,15,55
